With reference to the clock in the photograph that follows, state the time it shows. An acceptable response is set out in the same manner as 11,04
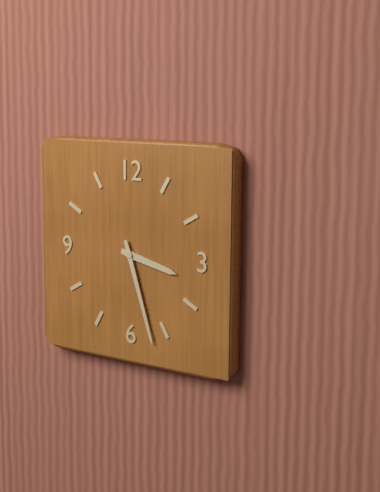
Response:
3,27
